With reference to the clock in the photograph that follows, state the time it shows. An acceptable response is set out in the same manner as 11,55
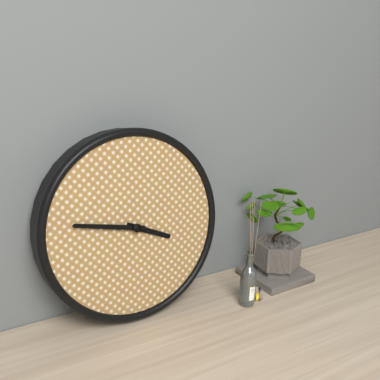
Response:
3,47
